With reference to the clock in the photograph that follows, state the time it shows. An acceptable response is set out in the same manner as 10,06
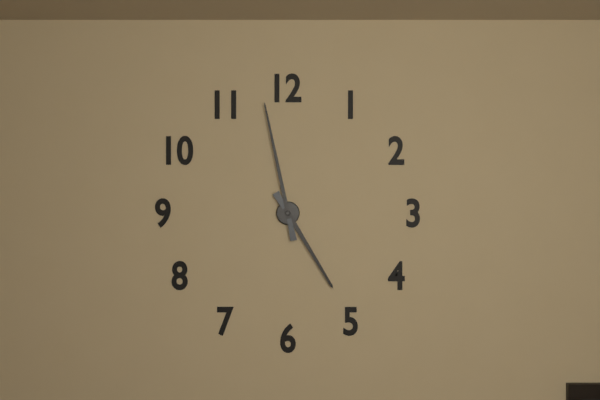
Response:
4,58
